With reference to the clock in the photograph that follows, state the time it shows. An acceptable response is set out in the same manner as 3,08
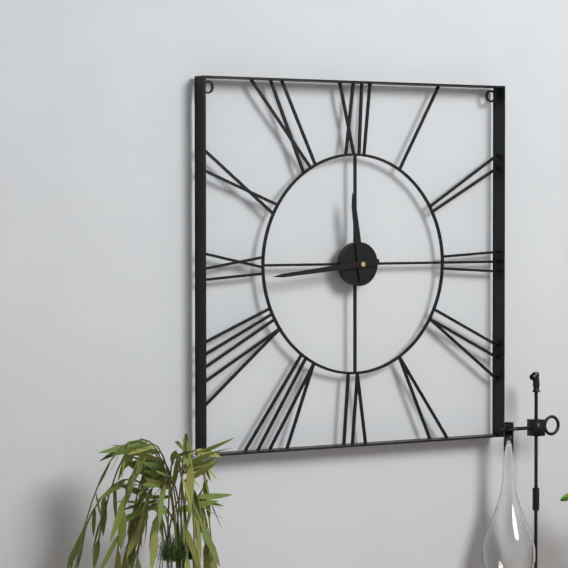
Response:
11,44
